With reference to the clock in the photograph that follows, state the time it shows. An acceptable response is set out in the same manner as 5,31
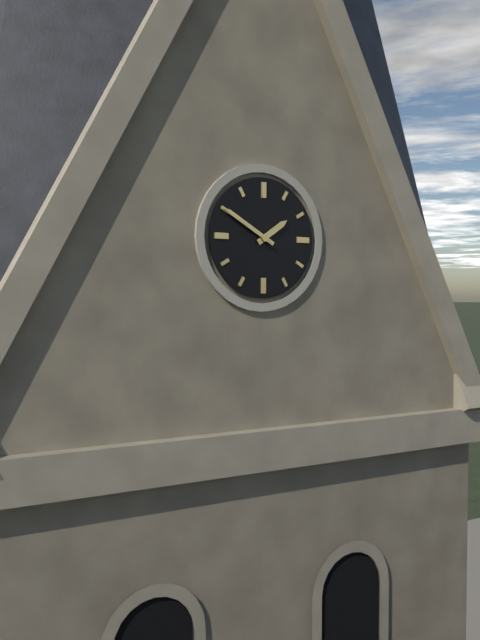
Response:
1,50
